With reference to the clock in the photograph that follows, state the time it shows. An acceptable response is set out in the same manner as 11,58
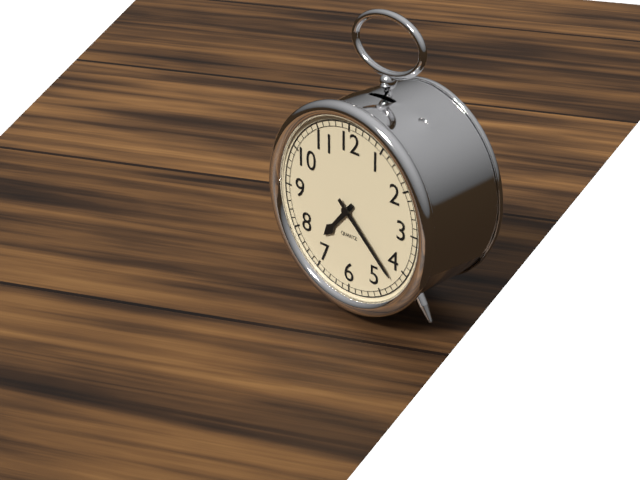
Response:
7,22
